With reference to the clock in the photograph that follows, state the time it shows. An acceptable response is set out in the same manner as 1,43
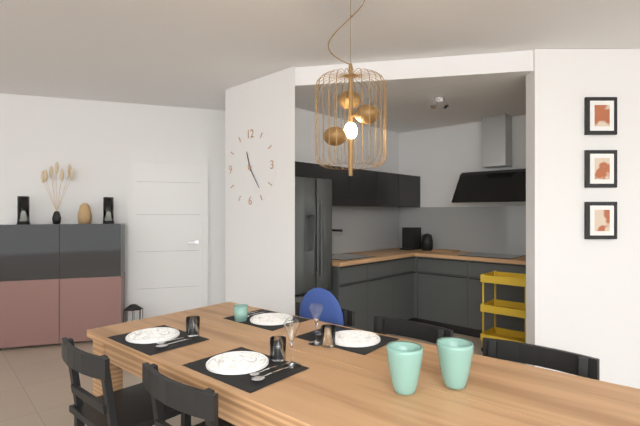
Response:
11,24
